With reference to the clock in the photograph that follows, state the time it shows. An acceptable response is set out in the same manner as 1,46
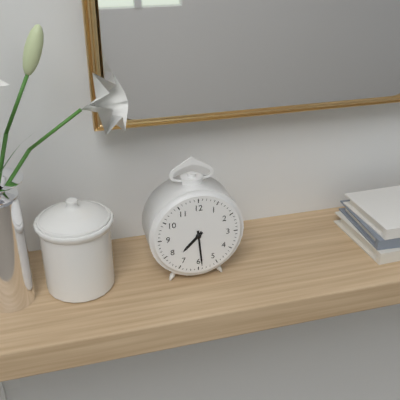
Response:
7,29
